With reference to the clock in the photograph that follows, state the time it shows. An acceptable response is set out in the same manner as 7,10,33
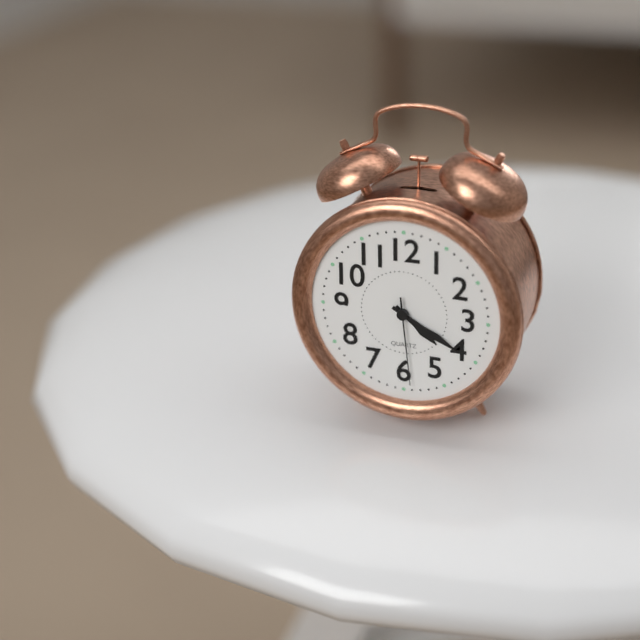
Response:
4,20,29
